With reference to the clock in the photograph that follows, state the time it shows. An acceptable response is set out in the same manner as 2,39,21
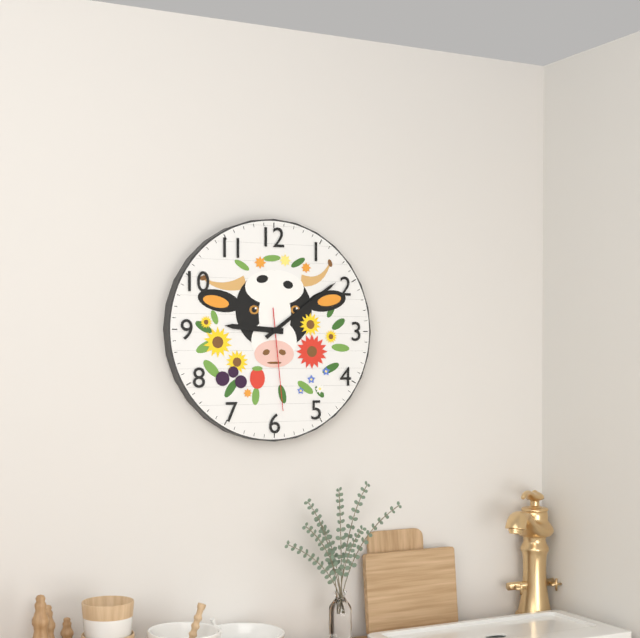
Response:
9,09,29
